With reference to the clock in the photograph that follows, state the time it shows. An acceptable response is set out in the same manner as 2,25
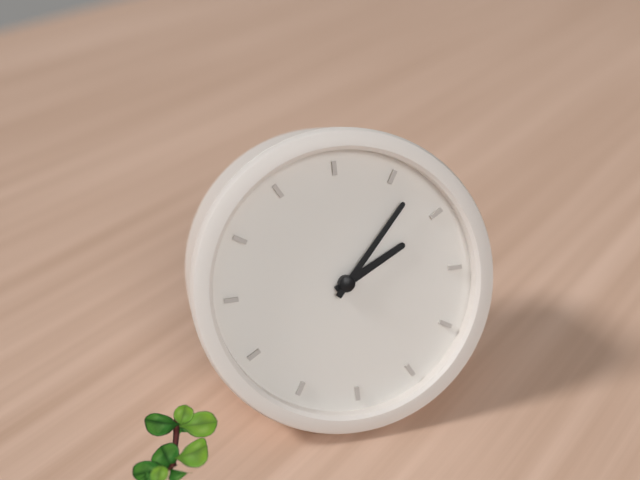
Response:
2,07
